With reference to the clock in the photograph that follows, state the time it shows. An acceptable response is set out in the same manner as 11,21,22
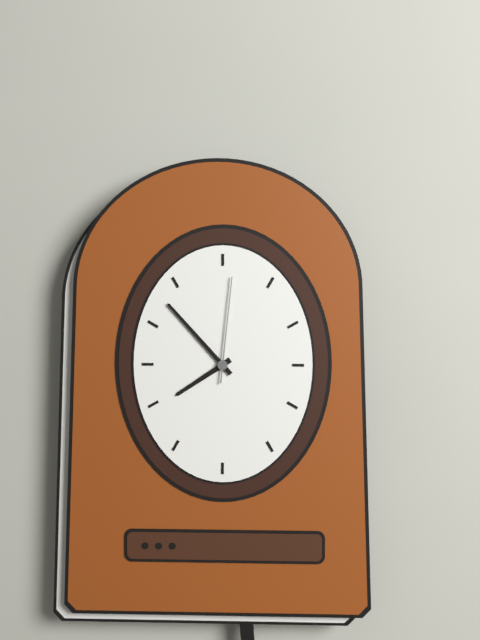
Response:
7,53,01
